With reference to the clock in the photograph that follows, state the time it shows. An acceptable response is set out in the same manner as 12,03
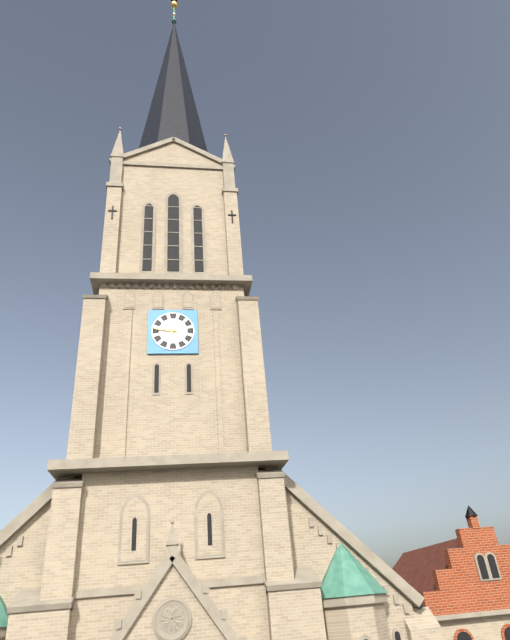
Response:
12,46
